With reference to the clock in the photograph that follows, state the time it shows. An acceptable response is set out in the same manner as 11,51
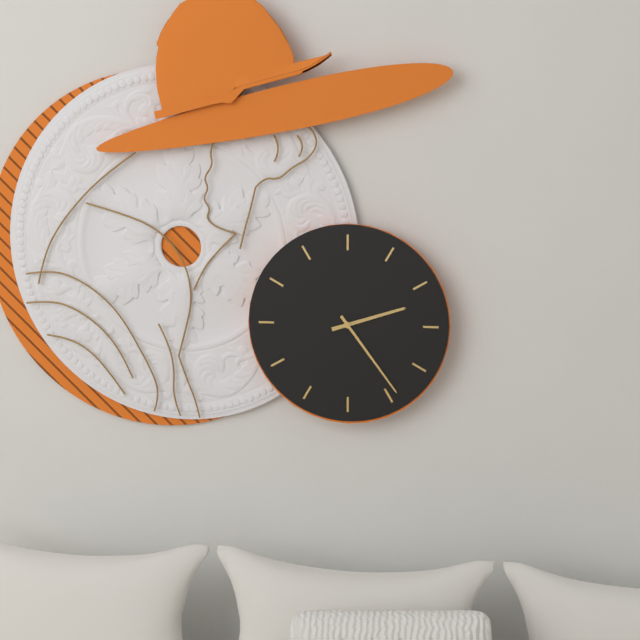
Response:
2,24
